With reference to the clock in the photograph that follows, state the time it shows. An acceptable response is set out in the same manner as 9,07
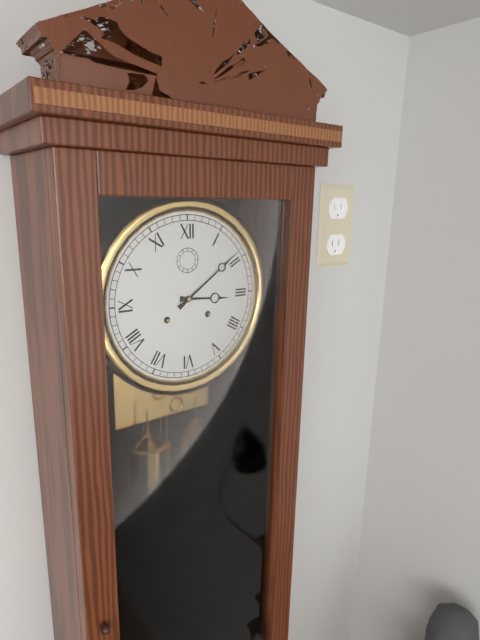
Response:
3,09
